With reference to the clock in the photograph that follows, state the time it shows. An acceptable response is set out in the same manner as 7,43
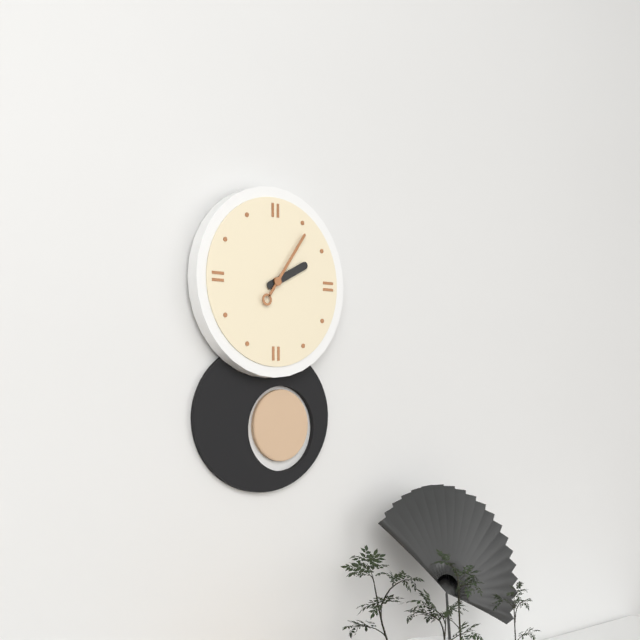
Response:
2,06
